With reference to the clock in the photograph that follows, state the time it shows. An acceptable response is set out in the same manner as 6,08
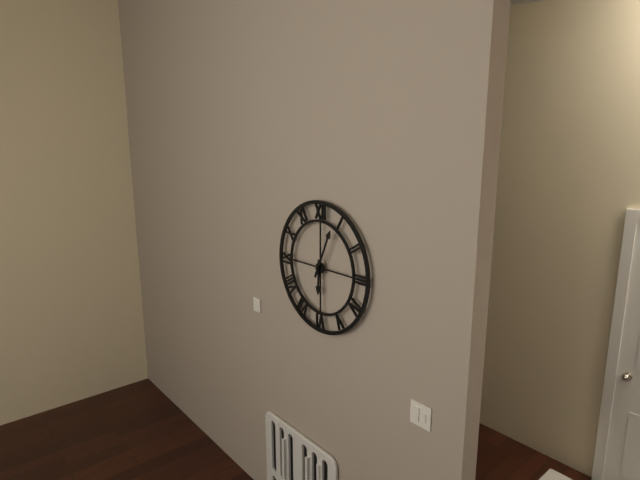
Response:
6,04
